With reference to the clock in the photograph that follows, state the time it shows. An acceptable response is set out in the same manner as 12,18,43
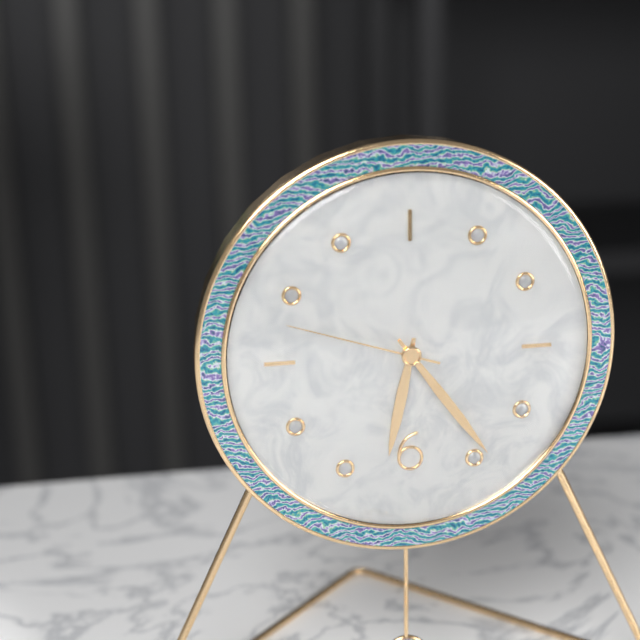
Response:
6,24,48
